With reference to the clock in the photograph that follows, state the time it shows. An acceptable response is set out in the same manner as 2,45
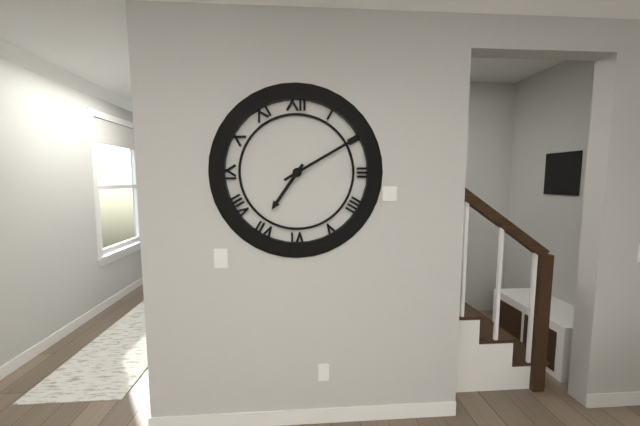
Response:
7,10
